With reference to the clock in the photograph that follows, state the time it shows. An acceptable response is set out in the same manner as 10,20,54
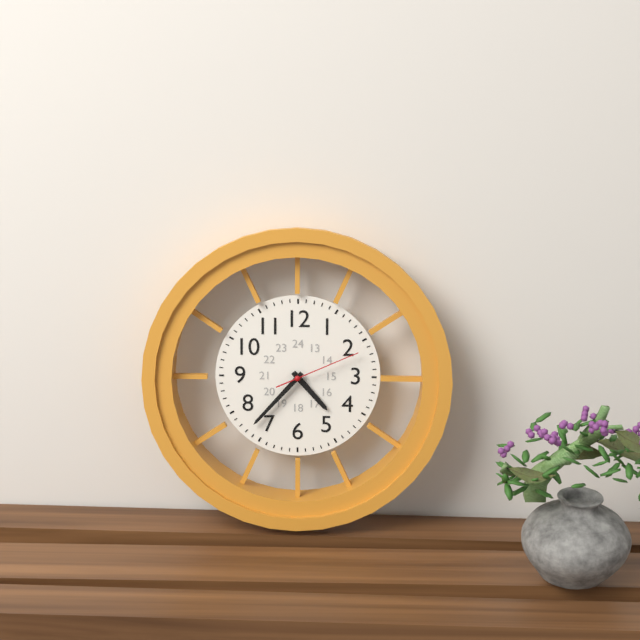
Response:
4,37,11
